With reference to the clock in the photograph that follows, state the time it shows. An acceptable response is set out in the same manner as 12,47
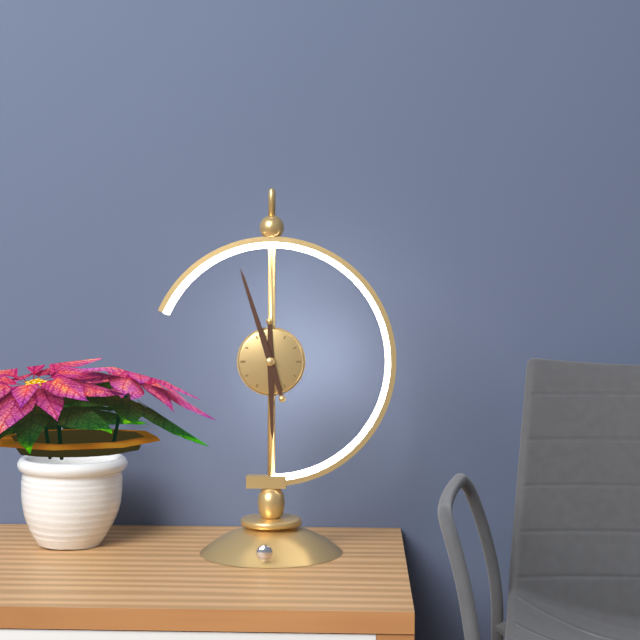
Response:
5,57
